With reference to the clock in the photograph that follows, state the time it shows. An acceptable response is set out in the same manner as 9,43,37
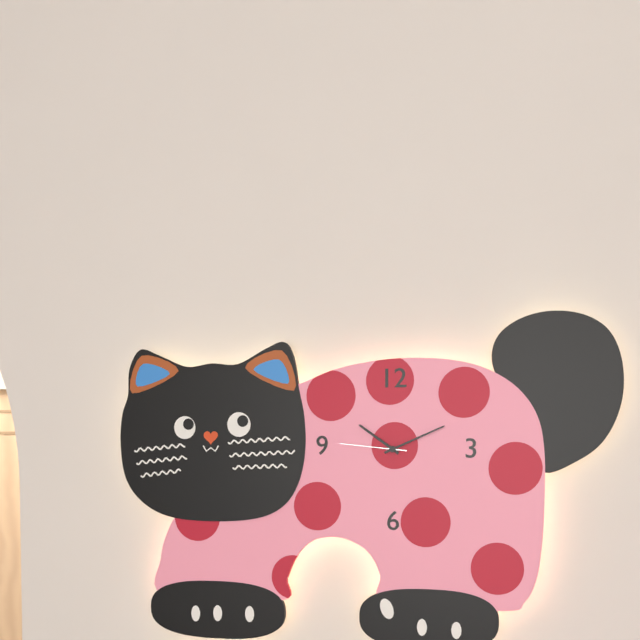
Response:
10,11,46
